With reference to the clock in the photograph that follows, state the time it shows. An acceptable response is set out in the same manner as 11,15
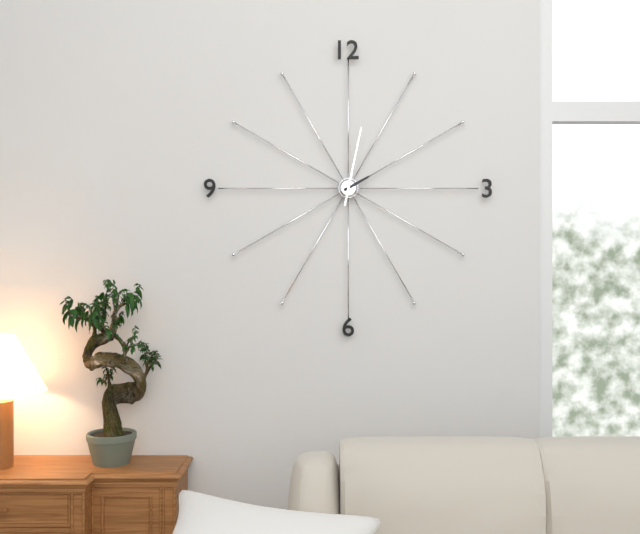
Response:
2,02
